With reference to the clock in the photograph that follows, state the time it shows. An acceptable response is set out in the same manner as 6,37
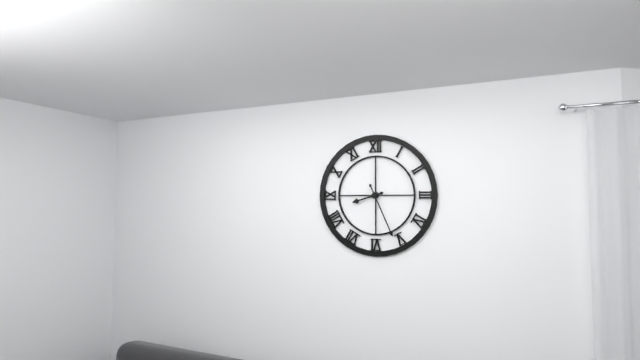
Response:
8,26
